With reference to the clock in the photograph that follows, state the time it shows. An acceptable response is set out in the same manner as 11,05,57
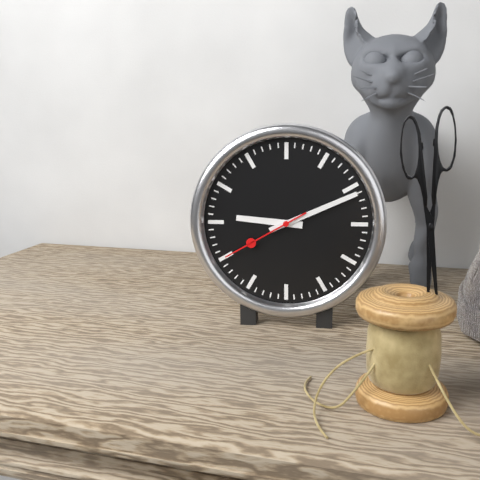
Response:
9,11,40
